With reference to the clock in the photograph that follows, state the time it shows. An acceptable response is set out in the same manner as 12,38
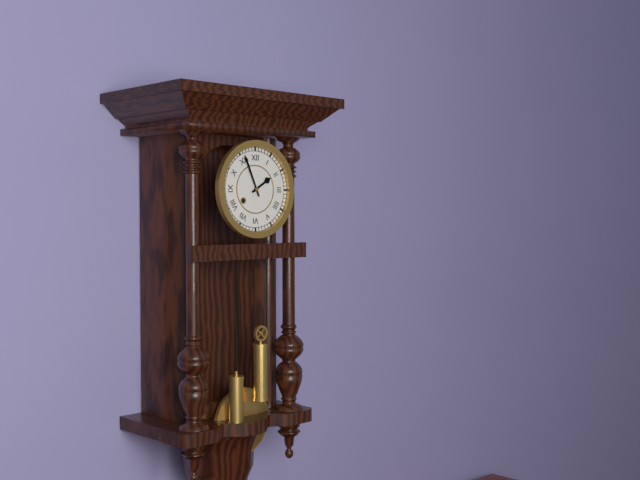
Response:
1,56
